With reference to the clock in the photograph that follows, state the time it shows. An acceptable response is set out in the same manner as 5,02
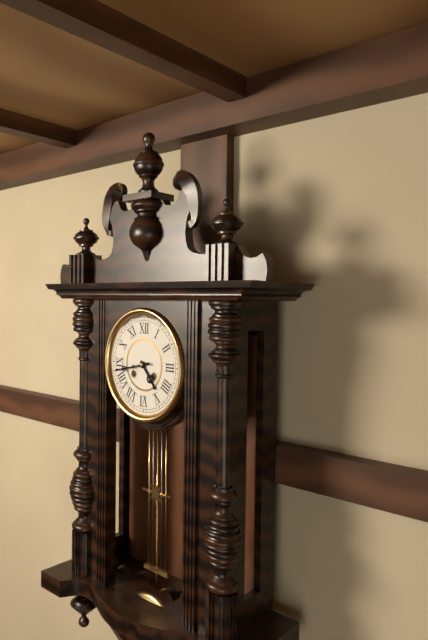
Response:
4,43
